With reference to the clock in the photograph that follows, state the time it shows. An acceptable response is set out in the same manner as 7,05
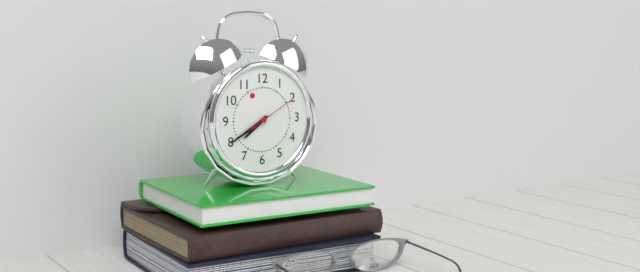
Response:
7,40
